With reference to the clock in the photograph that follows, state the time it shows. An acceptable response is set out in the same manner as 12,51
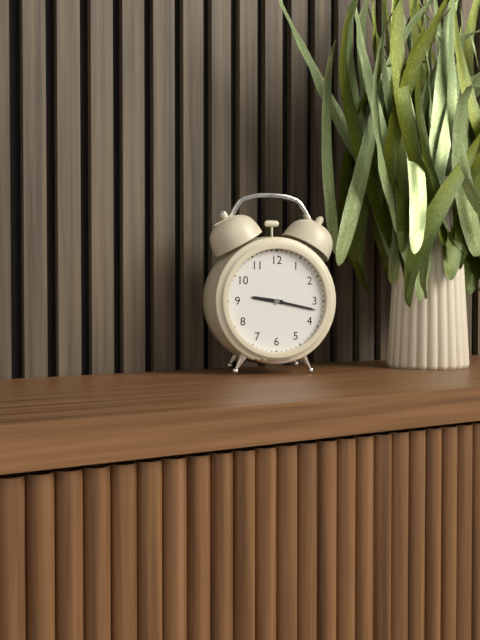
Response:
9,17
